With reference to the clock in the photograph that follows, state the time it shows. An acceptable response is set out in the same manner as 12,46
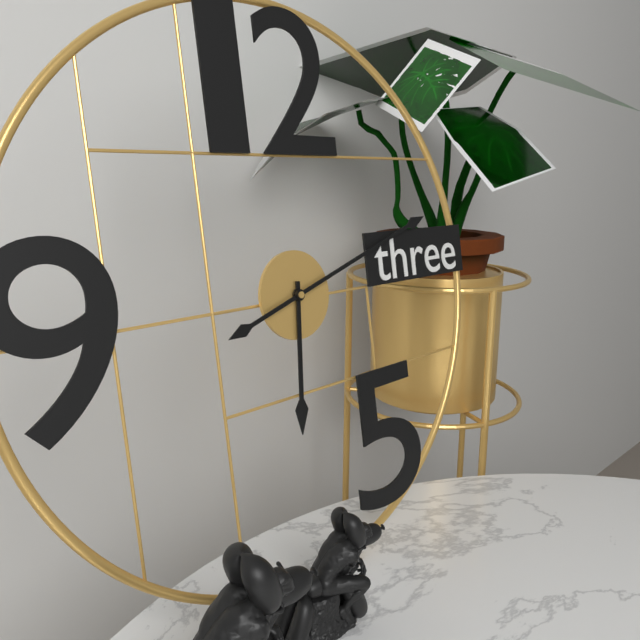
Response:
6,12
